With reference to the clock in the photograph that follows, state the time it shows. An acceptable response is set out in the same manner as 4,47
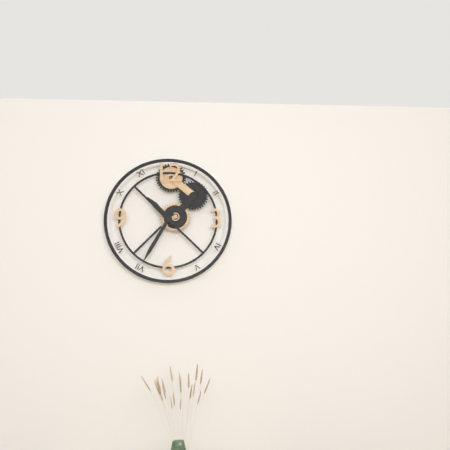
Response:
10,35
